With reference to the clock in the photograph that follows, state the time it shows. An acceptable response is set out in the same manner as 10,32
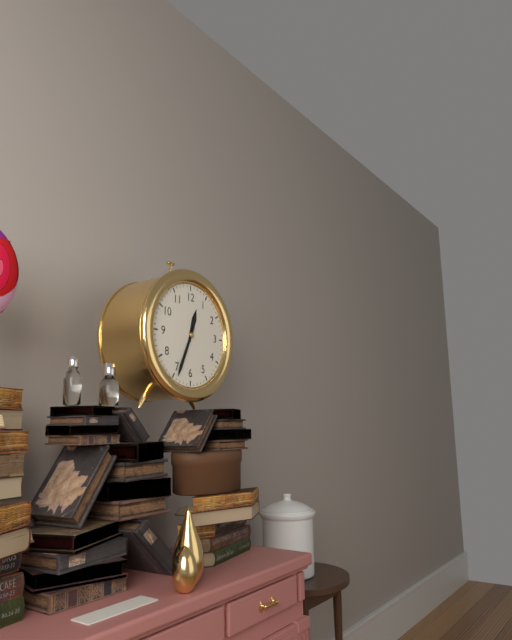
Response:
12,34
